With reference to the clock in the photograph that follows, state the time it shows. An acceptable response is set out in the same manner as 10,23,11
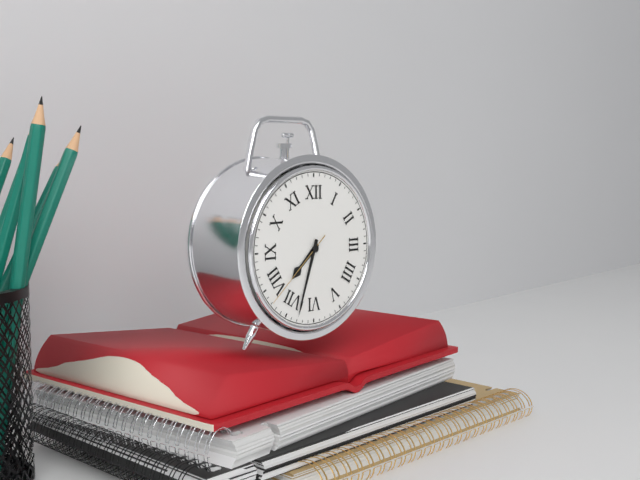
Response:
7,33,38
